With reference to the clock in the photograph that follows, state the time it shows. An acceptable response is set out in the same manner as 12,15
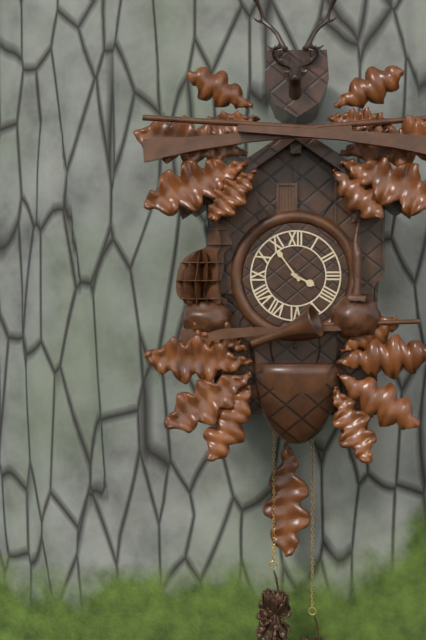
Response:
3,54
